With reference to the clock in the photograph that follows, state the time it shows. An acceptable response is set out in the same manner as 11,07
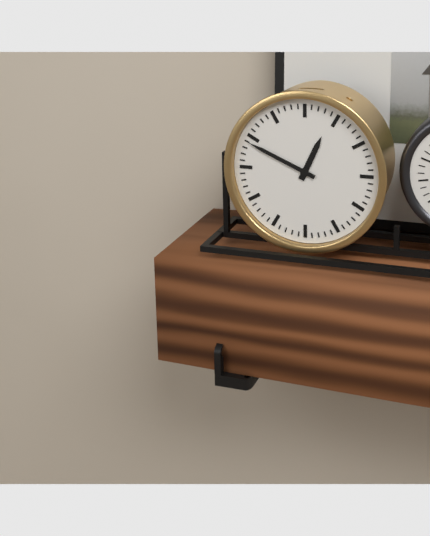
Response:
12,49
